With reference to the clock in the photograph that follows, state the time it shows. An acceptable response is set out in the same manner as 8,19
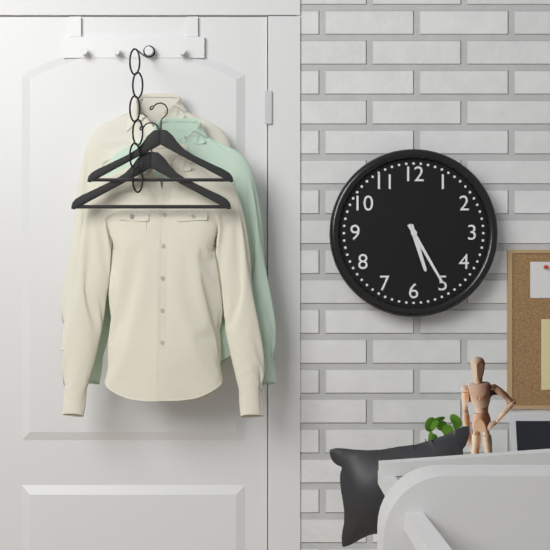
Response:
5,25
